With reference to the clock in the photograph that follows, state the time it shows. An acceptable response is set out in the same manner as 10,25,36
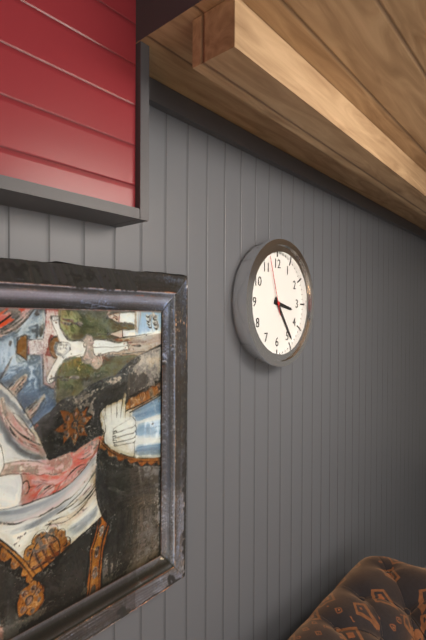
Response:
3,24,57
